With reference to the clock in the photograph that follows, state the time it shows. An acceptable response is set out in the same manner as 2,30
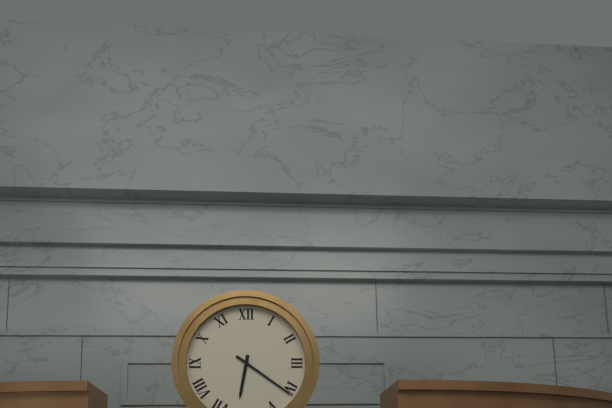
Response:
6,21
